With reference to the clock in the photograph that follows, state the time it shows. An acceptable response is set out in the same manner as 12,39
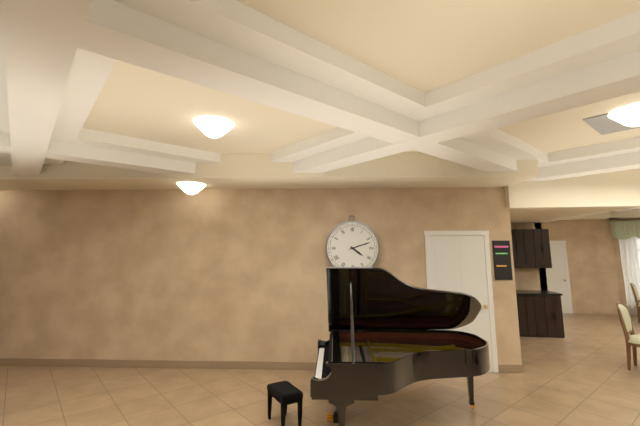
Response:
4,12
